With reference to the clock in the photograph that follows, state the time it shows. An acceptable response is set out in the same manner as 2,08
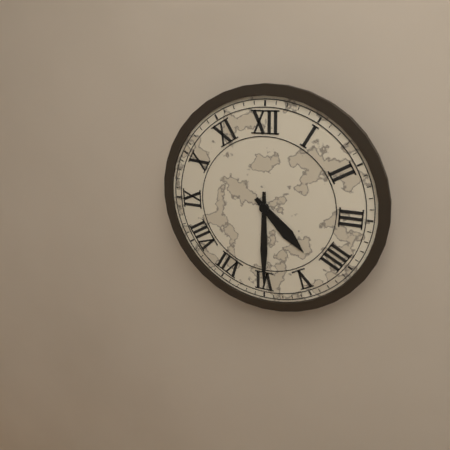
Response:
4,30
